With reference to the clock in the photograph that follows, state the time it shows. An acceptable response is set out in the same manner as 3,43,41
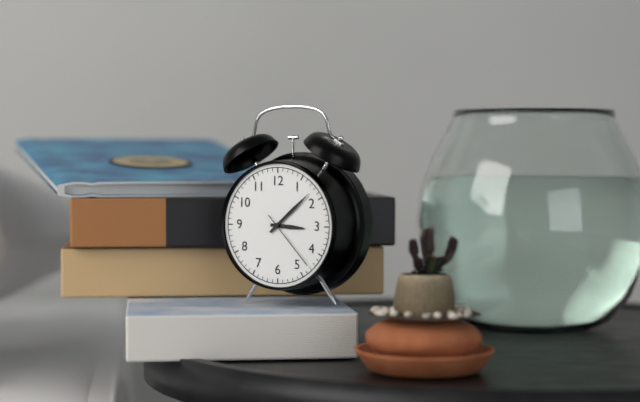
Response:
3,08,23
